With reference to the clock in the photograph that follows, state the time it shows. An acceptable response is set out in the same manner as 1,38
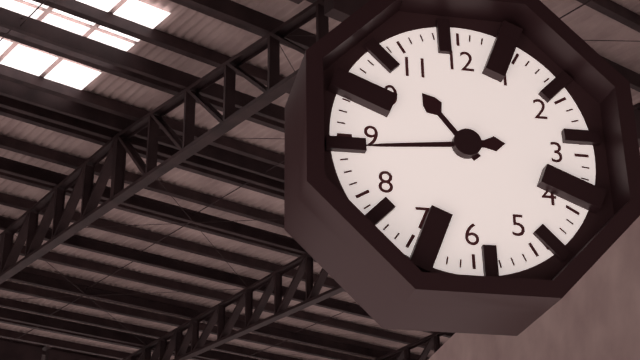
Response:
10,44
